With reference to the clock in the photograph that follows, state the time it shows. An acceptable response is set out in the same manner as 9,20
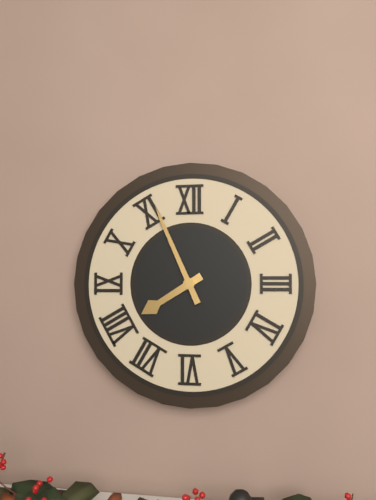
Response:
7,56
